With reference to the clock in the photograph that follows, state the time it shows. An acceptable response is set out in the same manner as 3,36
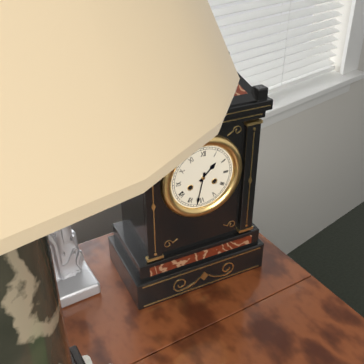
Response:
1,32
